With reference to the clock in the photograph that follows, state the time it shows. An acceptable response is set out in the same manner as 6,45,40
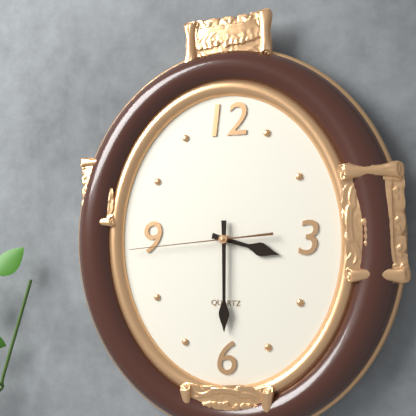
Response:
3,30,44
